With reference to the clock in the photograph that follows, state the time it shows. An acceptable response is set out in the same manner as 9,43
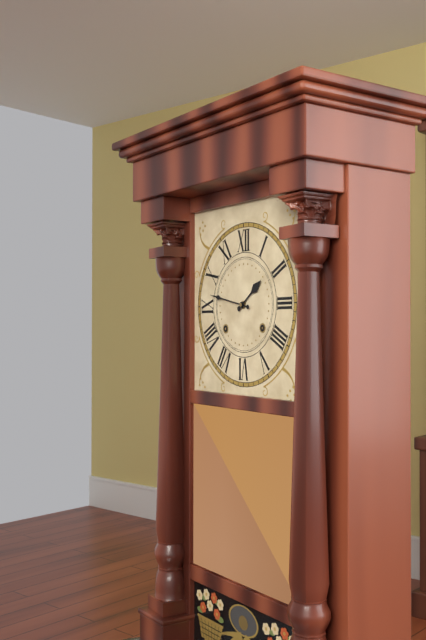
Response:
1,47
